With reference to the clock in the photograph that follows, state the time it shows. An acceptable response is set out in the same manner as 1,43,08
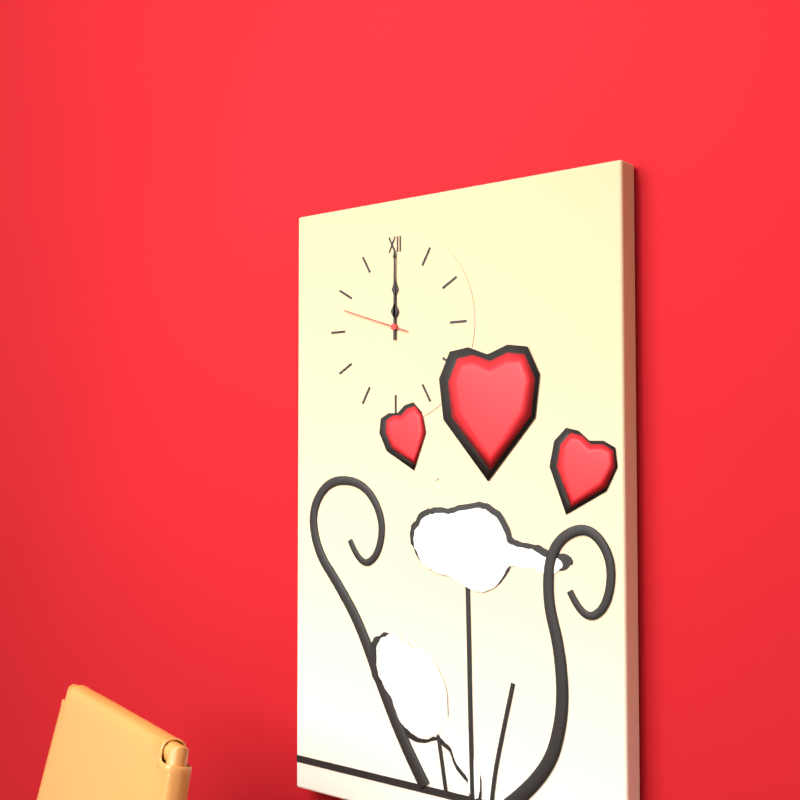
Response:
12,00,48
